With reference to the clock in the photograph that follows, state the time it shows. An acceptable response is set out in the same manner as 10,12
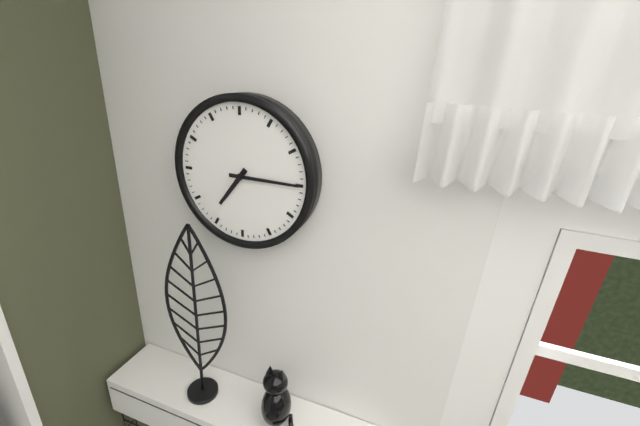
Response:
7,15
